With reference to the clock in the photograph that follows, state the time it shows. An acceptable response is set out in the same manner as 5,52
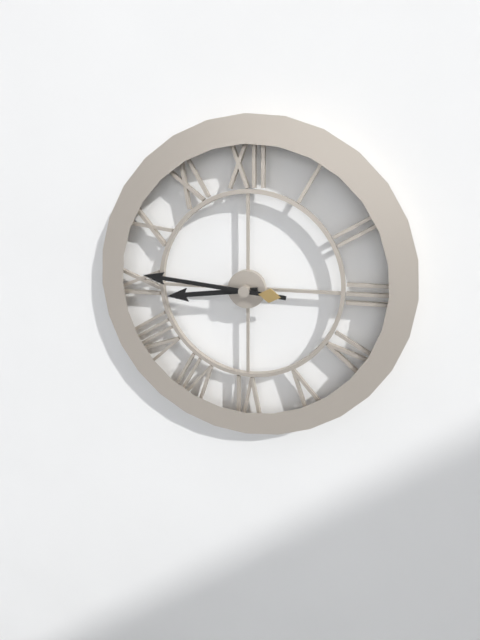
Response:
8,46
